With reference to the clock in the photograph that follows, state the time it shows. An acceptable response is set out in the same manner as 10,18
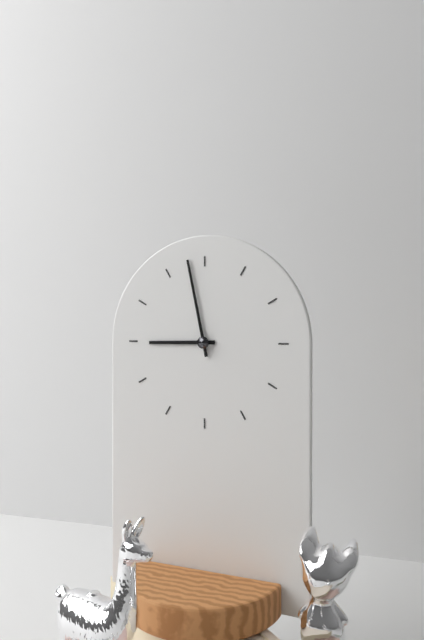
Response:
8,58
